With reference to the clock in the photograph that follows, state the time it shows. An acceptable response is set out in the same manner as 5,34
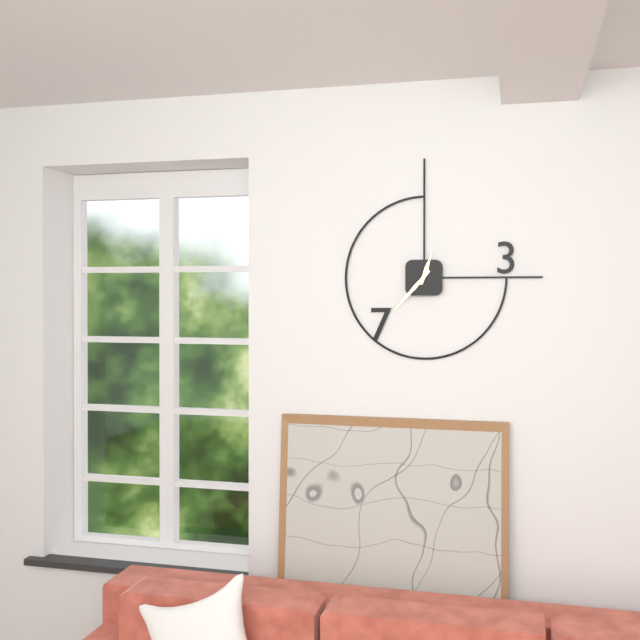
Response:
12,37
